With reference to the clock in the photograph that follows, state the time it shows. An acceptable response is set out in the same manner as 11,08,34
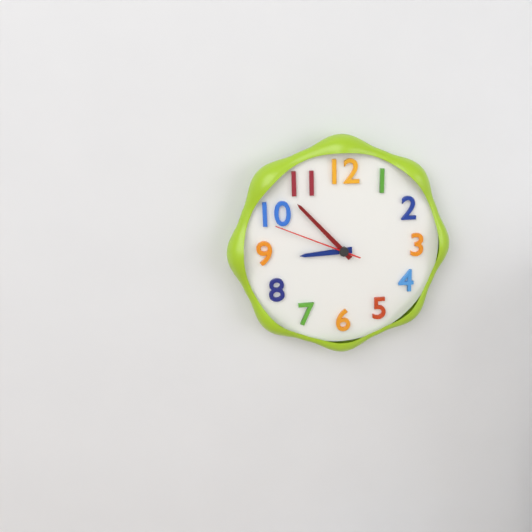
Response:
8,53,49
